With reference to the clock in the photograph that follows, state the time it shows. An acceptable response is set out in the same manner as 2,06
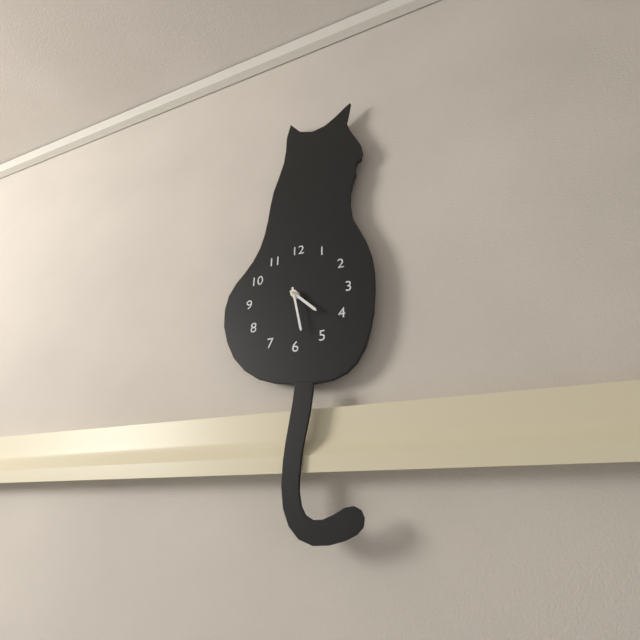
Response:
4,28
